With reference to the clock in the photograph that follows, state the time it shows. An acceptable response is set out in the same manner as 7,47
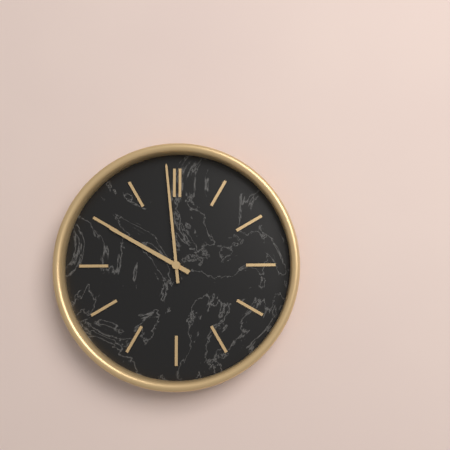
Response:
9,59
